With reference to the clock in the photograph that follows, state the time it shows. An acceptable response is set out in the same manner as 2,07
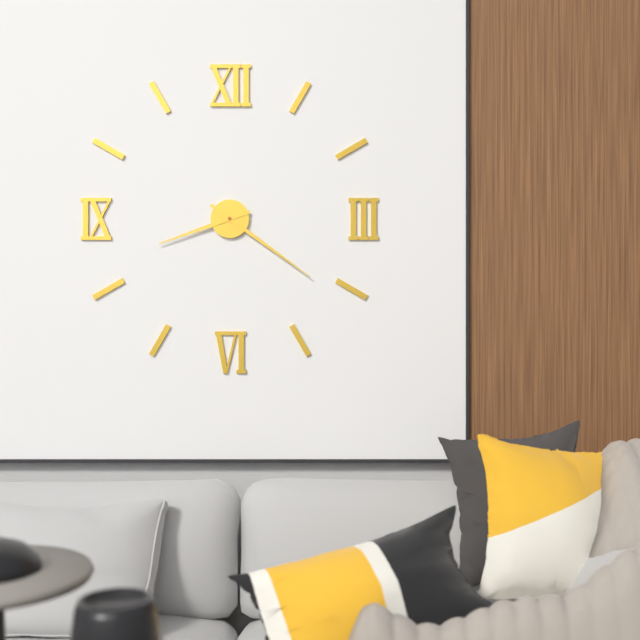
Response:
8,21
